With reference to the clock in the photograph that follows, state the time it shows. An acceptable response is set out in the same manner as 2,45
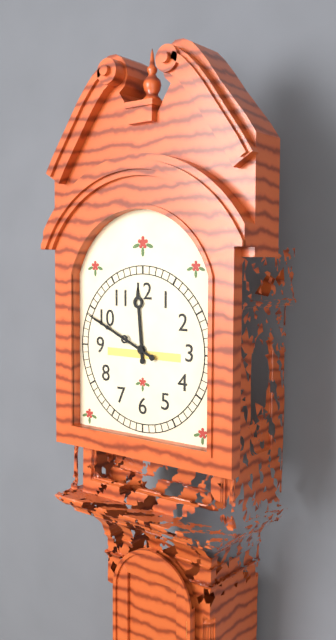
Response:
11,49
